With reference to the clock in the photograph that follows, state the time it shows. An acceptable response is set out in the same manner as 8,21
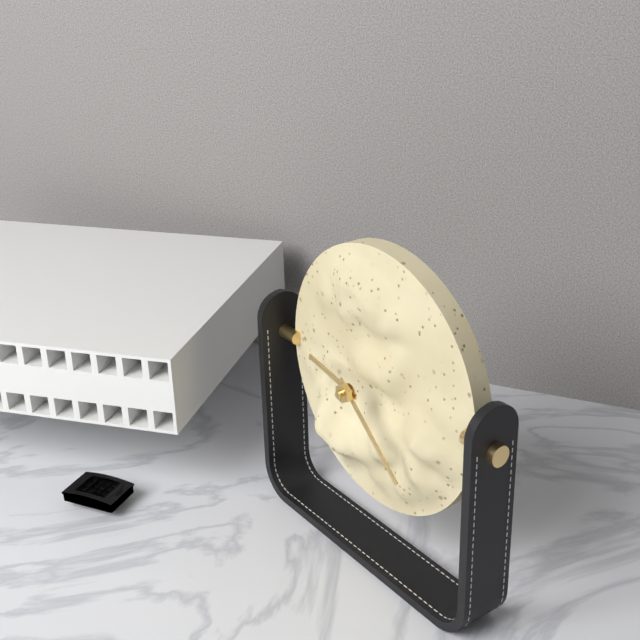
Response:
9,22
